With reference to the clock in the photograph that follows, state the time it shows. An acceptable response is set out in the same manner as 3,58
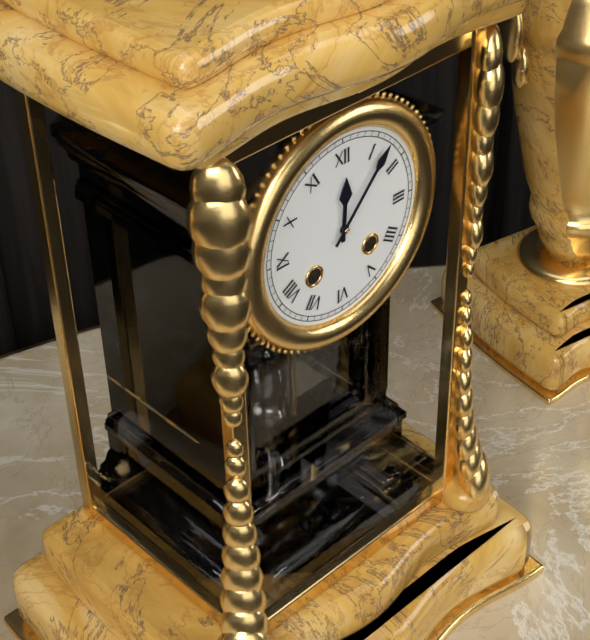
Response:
12,07
